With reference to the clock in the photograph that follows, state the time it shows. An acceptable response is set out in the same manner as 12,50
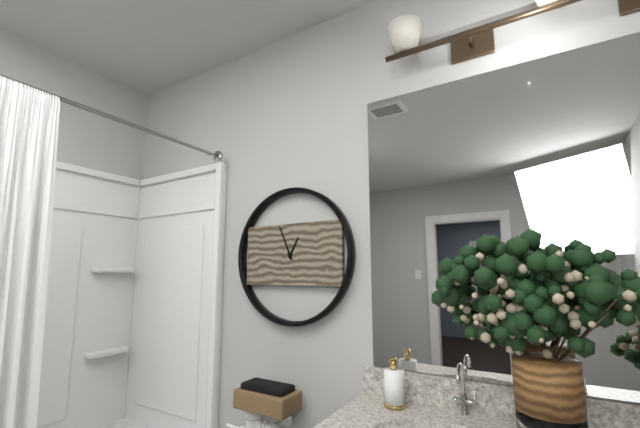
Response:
12,56
